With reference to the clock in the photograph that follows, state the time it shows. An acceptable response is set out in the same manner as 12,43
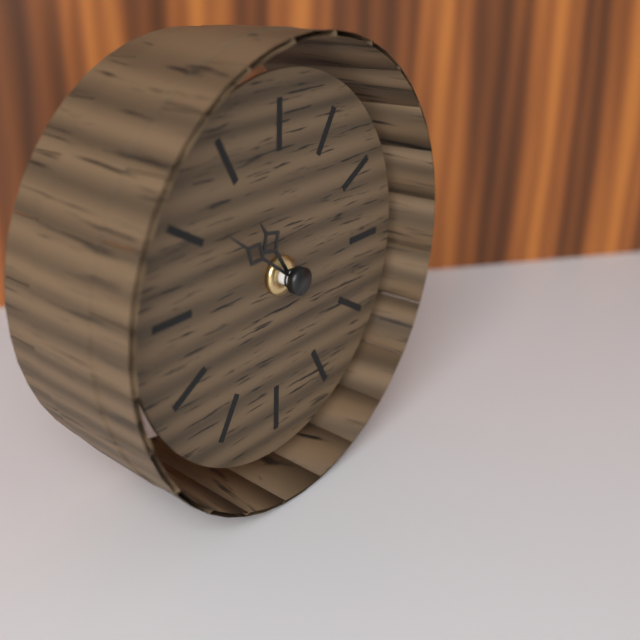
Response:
10,51
